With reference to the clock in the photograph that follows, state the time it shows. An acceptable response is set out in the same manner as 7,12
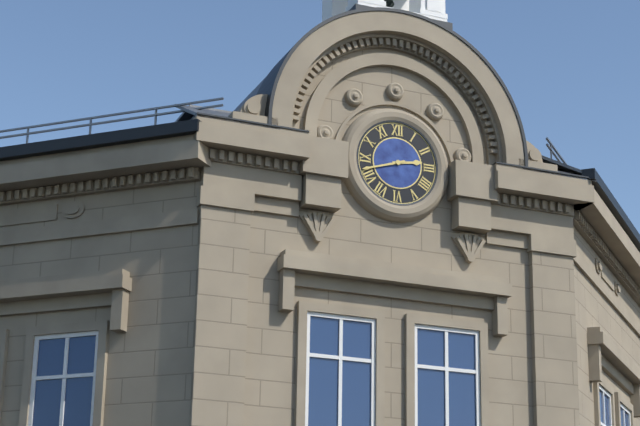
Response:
2,42
